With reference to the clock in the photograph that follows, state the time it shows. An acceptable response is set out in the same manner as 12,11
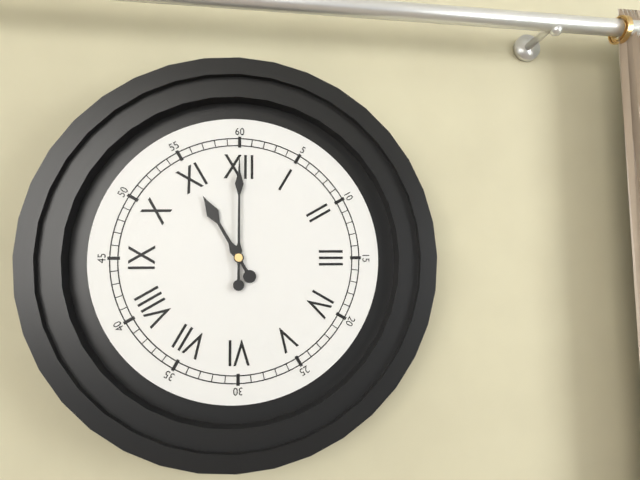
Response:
11,00
